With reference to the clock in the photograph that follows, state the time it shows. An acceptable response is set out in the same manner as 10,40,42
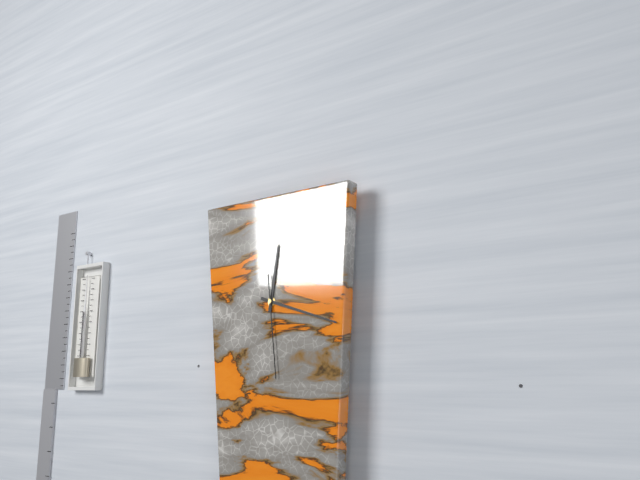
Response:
12,18,29
